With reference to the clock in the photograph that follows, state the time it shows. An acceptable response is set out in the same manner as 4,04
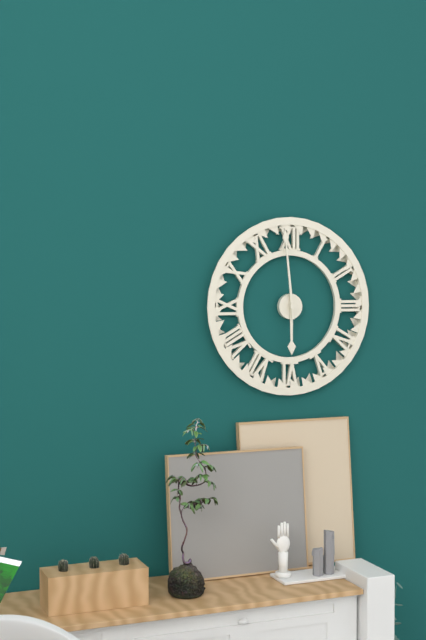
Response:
5,59
